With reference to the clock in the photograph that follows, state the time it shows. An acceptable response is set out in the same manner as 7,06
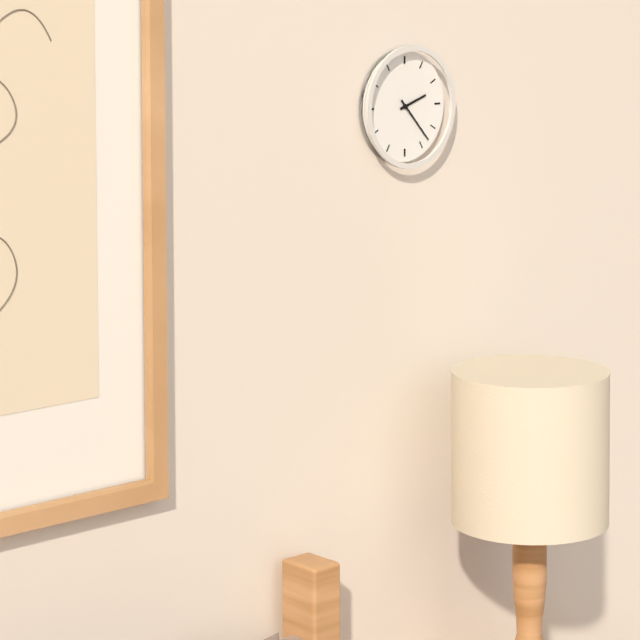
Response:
2,23
